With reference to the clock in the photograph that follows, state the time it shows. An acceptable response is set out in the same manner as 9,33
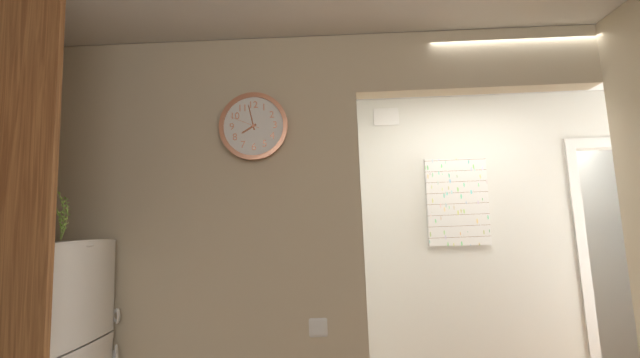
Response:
7,58
